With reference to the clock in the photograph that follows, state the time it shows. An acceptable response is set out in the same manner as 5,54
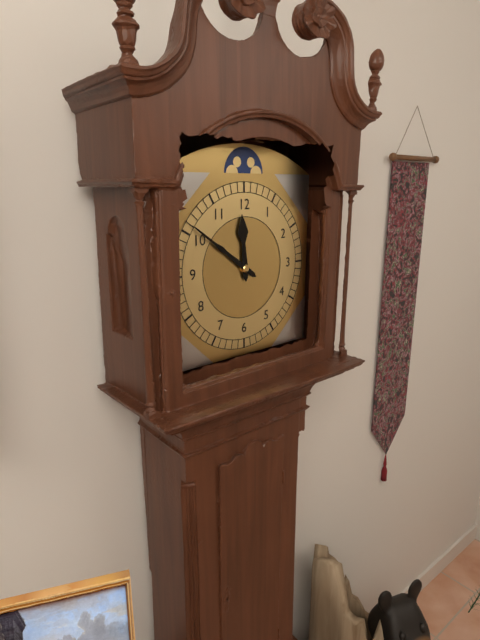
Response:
11,51
